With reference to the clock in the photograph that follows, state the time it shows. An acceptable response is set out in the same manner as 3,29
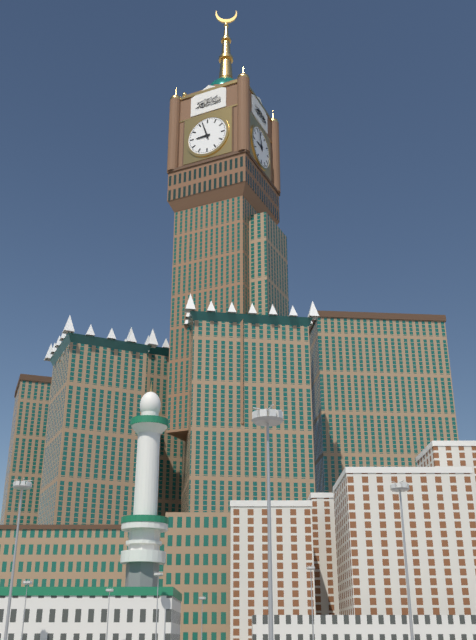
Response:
8,57
